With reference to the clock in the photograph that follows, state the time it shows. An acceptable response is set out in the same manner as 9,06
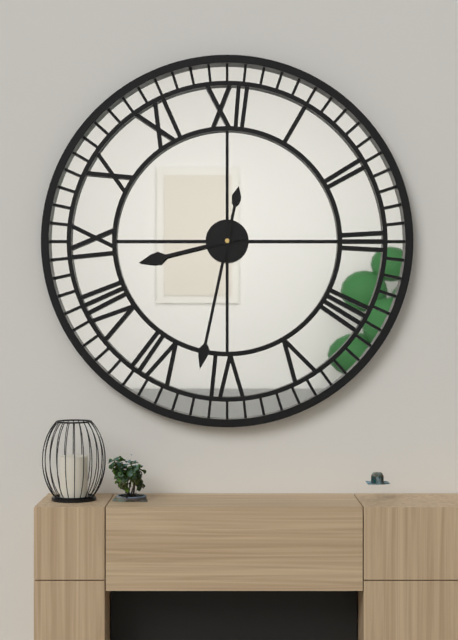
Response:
8,32
